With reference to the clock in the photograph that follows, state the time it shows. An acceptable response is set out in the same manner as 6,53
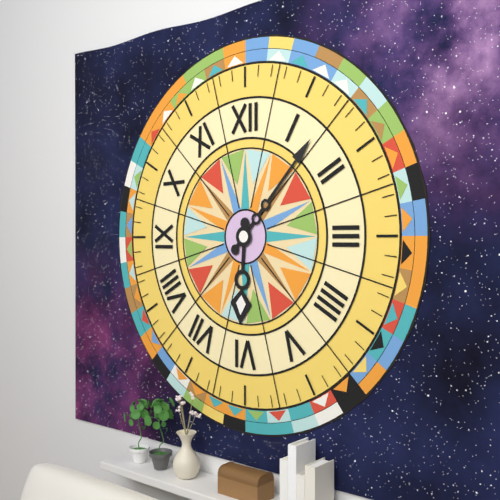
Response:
6,07
